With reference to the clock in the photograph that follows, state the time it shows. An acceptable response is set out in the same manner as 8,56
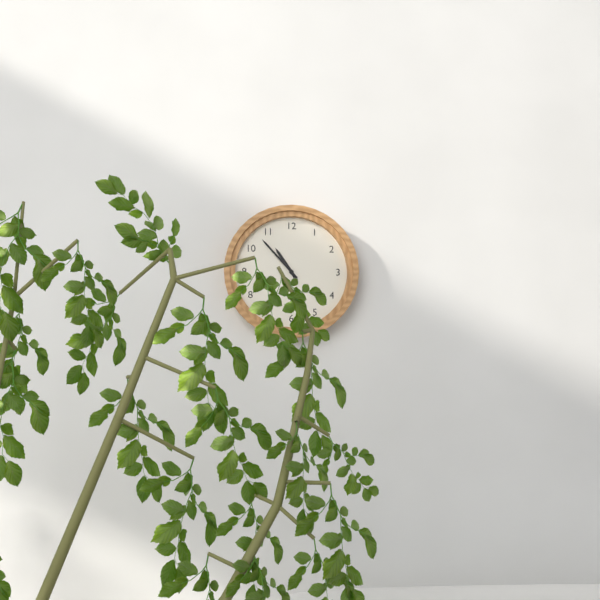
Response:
10,53
